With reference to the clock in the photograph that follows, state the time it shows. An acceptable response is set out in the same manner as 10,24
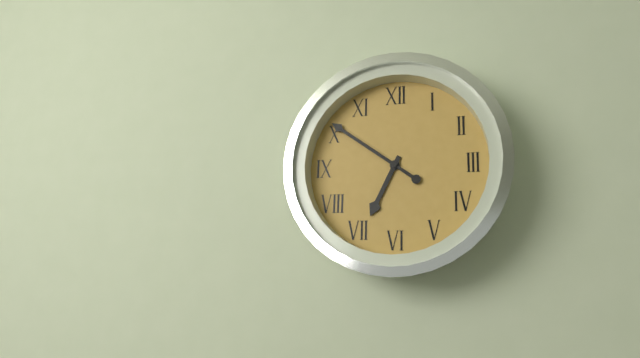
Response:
6,51
